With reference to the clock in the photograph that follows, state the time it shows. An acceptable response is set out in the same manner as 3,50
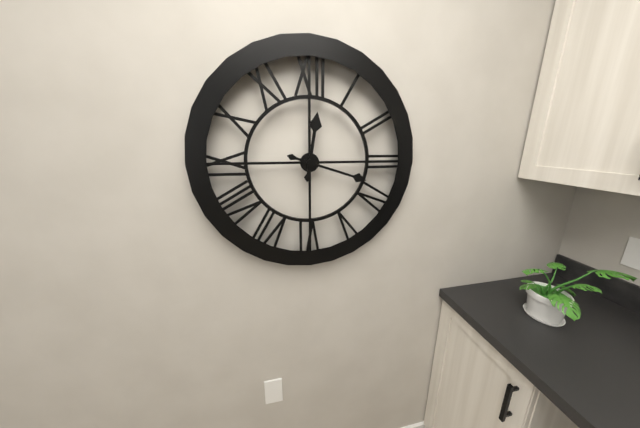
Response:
12,18
